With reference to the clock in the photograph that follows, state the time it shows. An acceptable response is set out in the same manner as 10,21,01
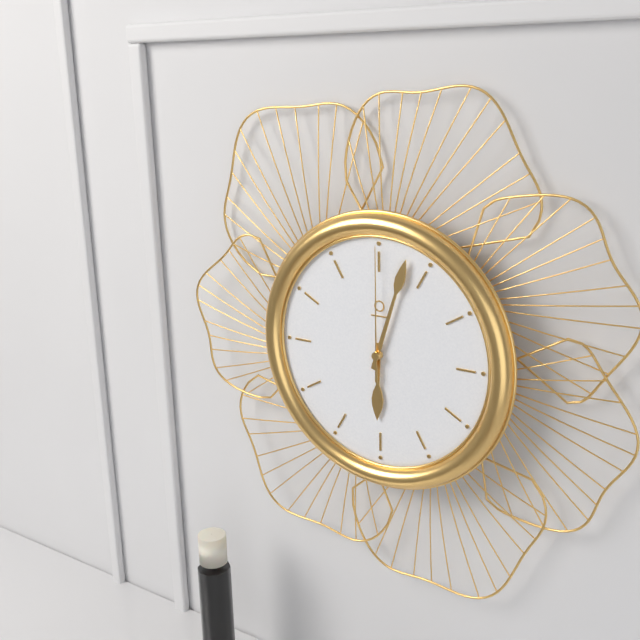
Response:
6,03,00
